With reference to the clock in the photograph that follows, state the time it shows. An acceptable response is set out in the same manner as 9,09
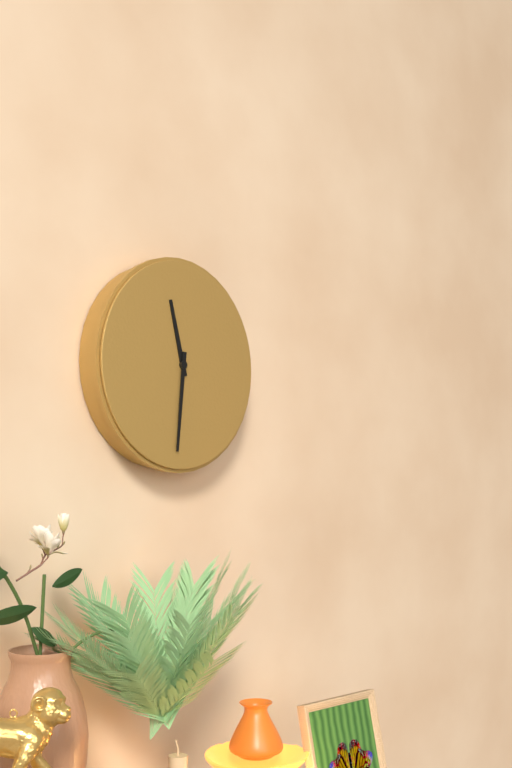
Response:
11,31
